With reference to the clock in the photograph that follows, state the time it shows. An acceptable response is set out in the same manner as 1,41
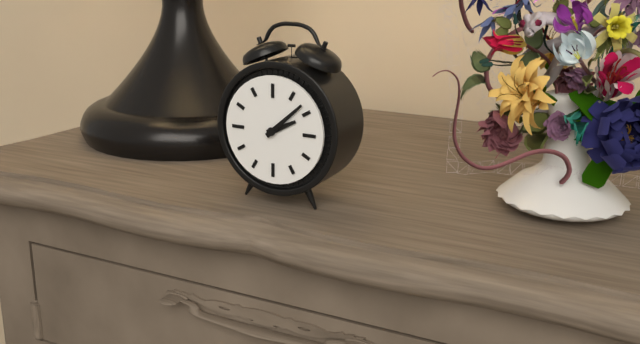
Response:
2,08
